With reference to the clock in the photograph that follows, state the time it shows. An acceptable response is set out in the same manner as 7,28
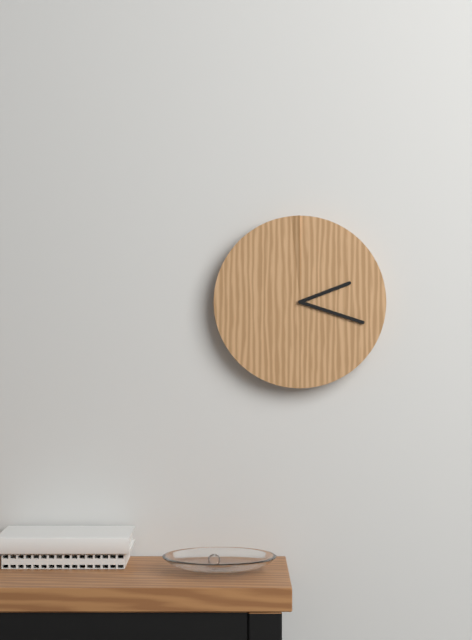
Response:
2,18
